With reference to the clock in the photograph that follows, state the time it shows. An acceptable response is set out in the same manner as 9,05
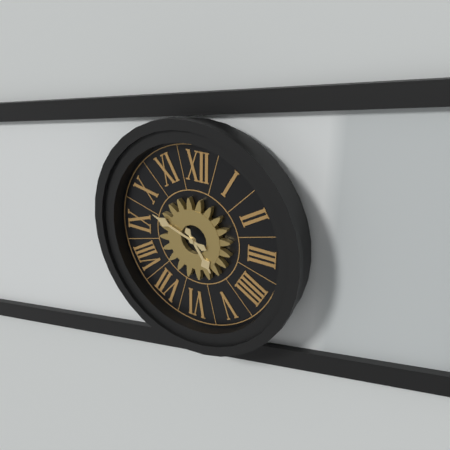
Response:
4,48
